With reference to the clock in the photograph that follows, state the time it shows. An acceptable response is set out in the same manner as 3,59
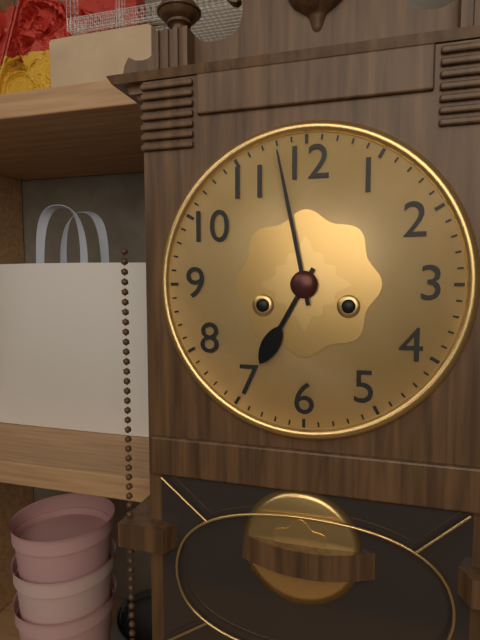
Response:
6,58
